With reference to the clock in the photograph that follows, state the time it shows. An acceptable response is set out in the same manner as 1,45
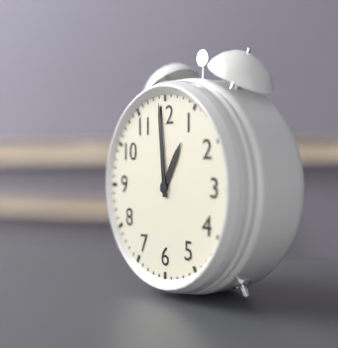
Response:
12,59
